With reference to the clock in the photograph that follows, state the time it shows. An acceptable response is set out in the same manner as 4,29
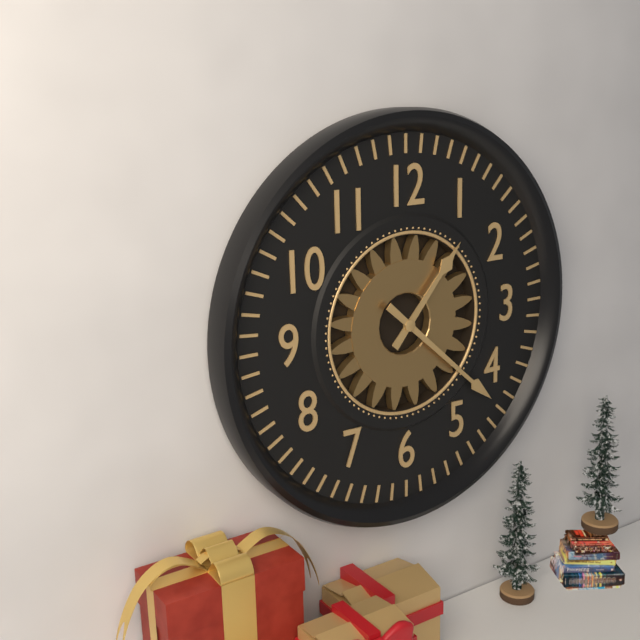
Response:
1,22
